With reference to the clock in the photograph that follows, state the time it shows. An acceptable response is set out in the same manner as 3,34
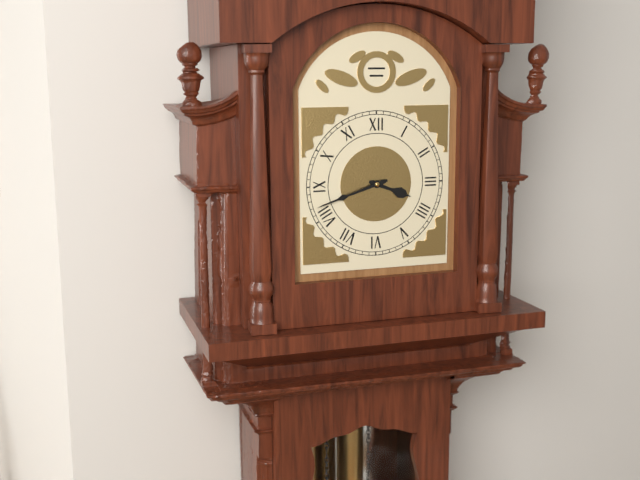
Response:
3,42
